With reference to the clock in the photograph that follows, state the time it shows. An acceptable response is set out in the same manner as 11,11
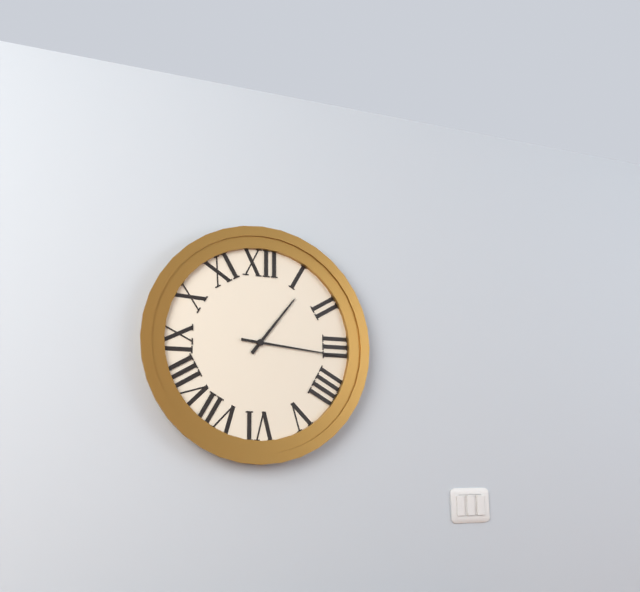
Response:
1,16
